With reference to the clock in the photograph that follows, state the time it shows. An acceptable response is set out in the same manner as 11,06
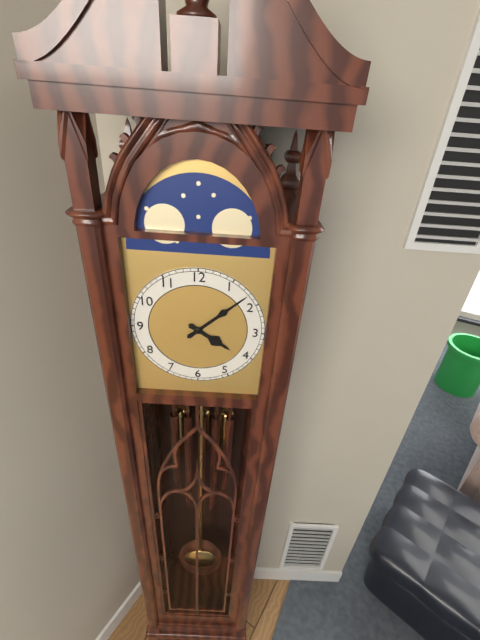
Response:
4,08
